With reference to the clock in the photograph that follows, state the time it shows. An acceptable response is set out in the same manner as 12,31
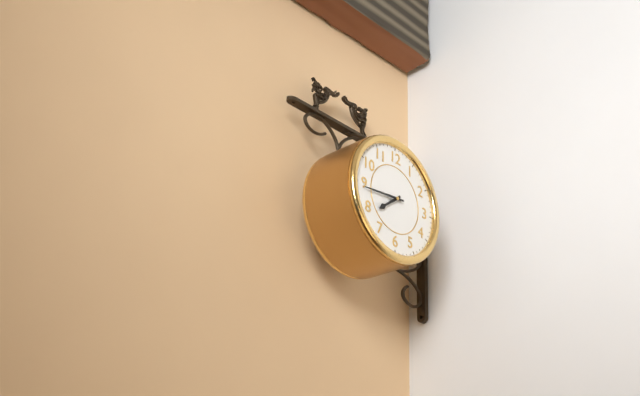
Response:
7,44
